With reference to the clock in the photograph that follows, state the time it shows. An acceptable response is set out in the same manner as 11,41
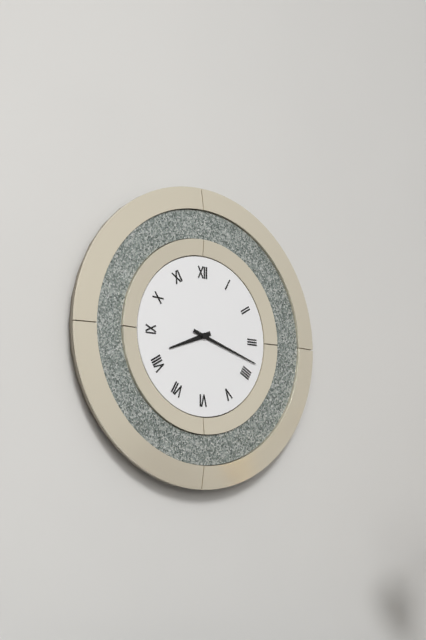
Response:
8,18
